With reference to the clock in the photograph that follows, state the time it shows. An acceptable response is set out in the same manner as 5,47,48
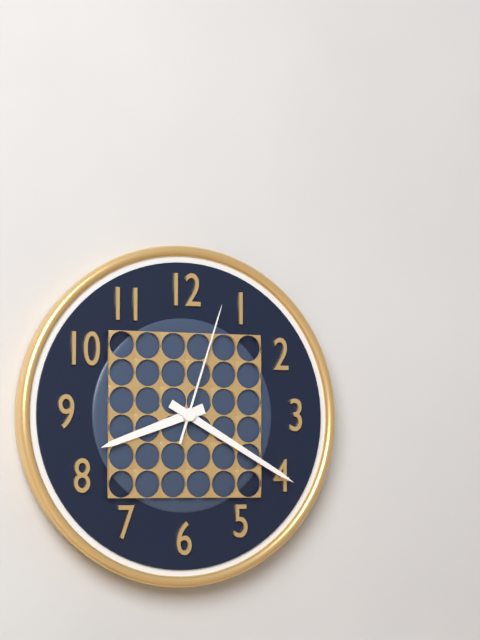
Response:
8,20,03
